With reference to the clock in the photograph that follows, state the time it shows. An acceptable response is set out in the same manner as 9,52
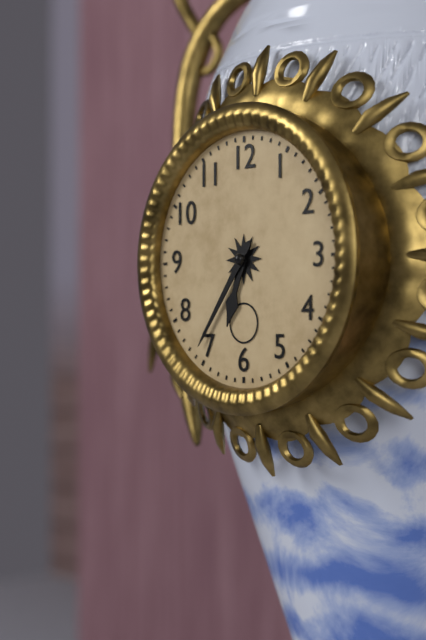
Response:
6,36
